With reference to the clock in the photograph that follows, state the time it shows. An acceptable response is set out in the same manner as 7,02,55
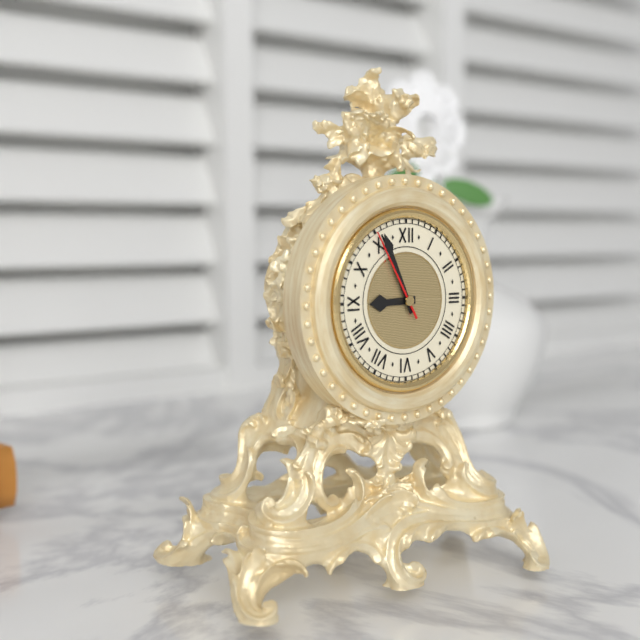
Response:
8,56,55
